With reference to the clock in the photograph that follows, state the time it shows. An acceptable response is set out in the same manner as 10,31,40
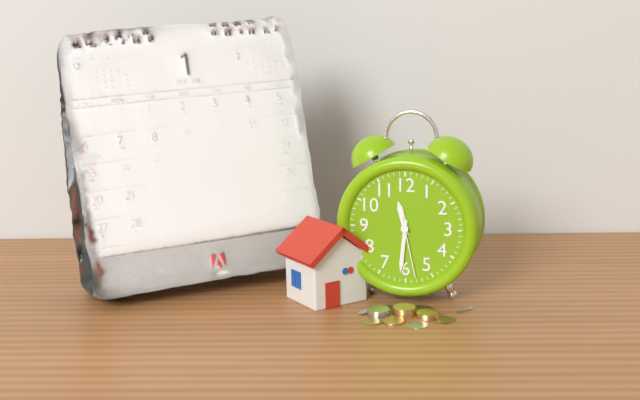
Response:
11,31,28
